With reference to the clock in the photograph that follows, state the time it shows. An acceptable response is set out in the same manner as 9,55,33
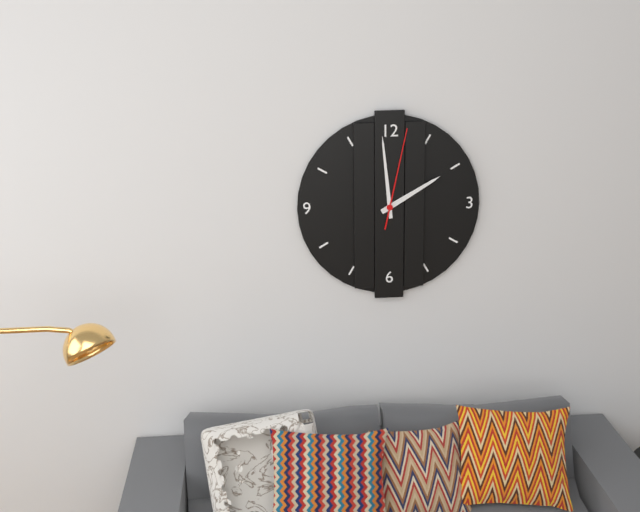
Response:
1,59,02
